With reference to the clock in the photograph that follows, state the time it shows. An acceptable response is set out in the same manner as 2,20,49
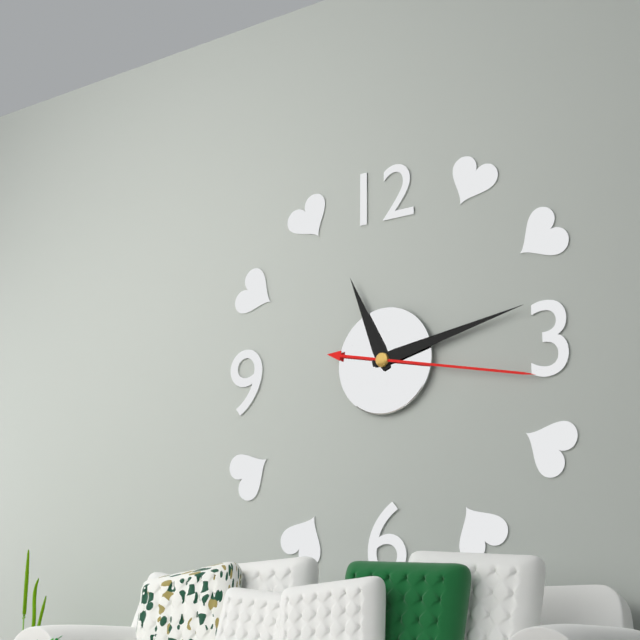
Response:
11,13,17
